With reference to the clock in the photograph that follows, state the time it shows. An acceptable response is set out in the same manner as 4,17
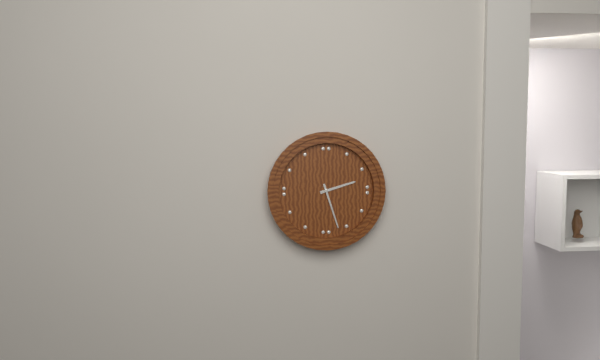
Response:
2,27
